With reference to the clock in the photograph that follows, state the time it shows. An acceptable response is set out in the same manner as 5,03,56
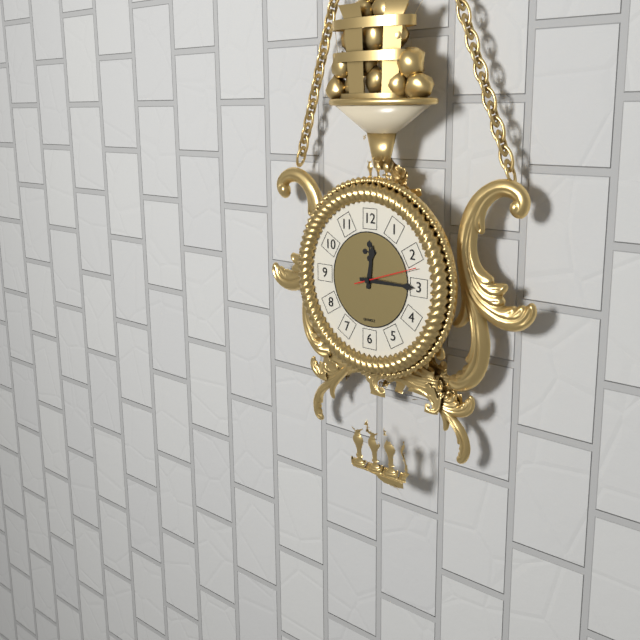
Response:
12,15,12
